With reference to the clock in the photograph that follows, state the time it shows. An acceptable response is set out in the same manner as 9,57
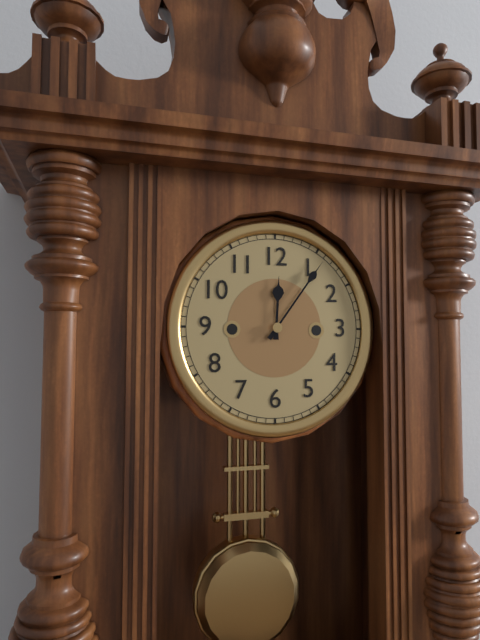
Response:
12,06
